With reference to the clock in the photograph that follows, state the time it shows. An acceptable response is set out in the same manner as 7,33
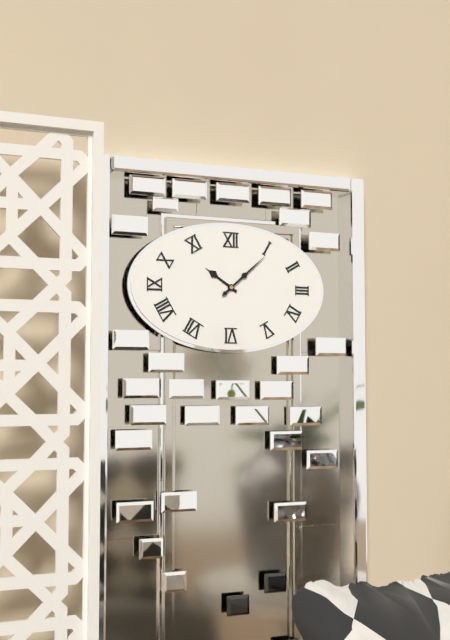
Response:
10,08
